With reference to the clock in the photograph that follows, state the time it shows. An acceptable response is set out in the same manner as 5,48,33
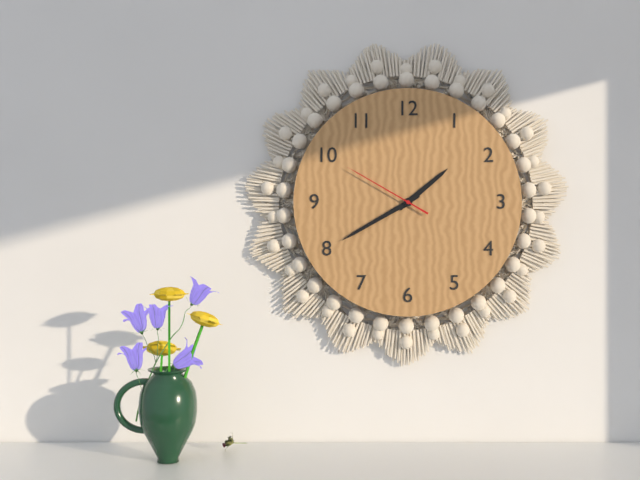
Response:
1,40,50
